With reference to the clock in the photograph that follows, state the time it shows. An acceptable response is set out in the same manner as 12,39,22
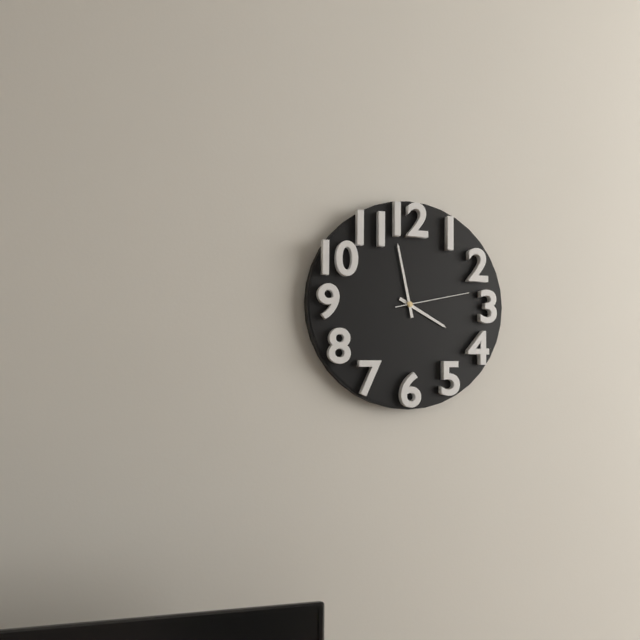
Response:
3,58,13
